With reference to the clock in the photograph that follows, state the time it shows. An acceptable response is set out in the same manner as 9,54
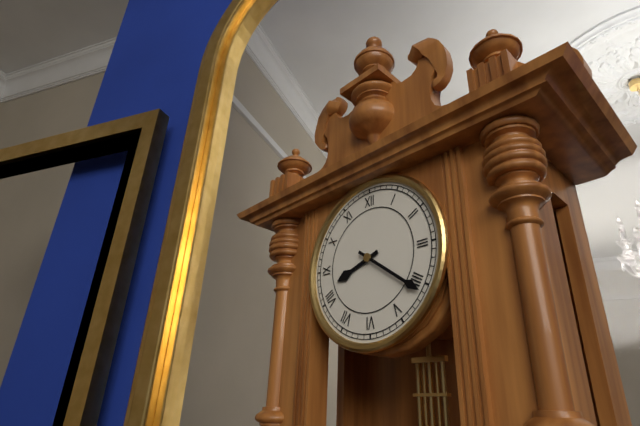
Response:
8,21
